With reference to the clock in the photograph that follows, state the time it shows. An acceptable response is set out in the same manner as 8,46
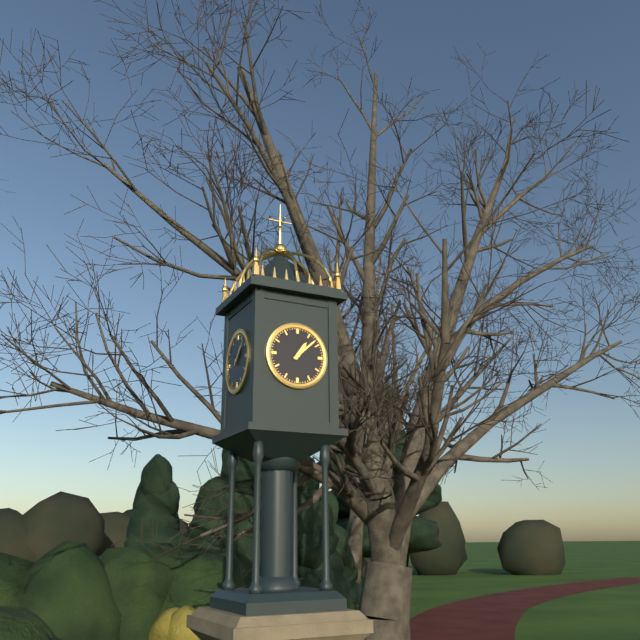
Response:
1,08
